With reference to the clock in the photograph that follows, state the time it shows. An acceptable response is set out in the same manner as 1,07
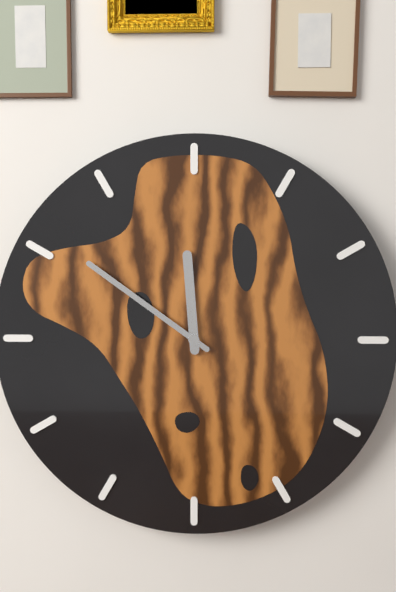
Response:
11,51
